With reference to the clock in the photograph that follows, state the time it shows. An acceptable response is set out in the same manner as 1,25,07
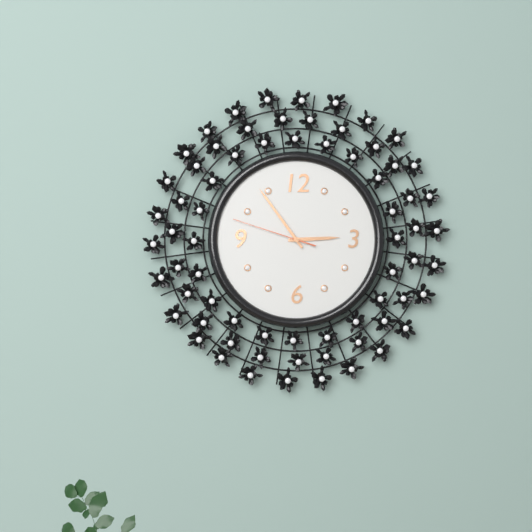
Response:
2,54,48
